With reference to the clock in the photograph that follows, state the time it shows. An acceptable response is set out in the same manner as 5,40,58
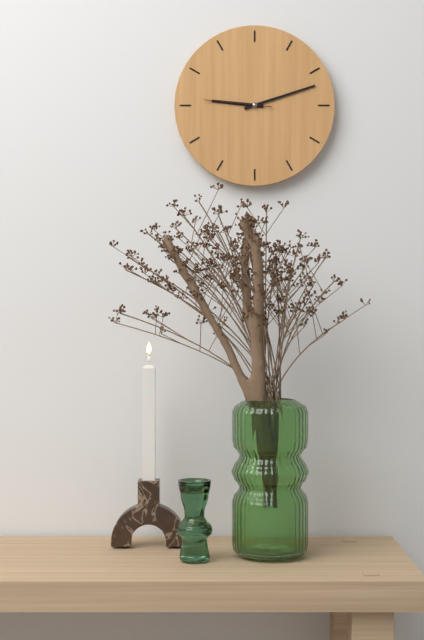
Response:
9,12,46
